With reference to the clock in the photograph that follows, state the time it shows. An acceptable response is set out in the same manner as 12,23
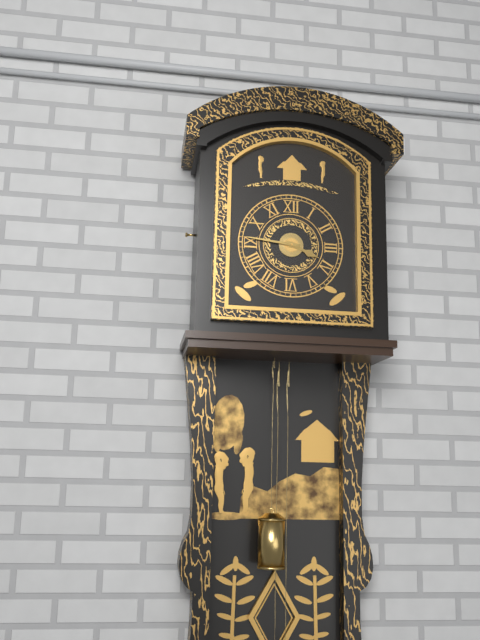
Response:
3,46
